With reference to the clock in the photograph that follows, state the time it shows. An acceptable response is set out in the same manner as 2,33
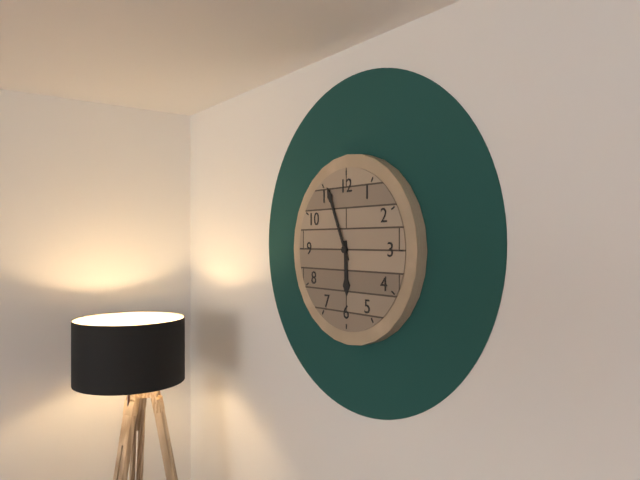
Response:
5,56
